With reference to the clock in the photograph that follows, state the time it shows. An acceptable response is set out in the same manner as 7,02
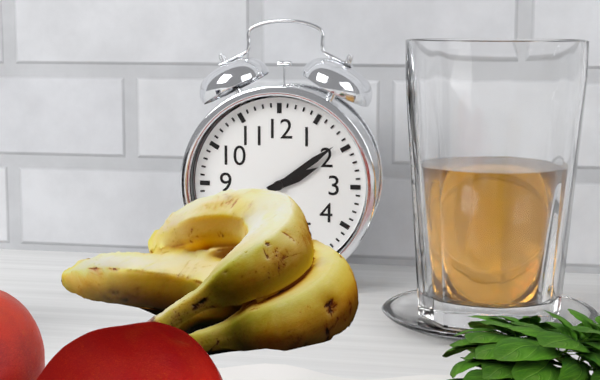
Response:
2,09
